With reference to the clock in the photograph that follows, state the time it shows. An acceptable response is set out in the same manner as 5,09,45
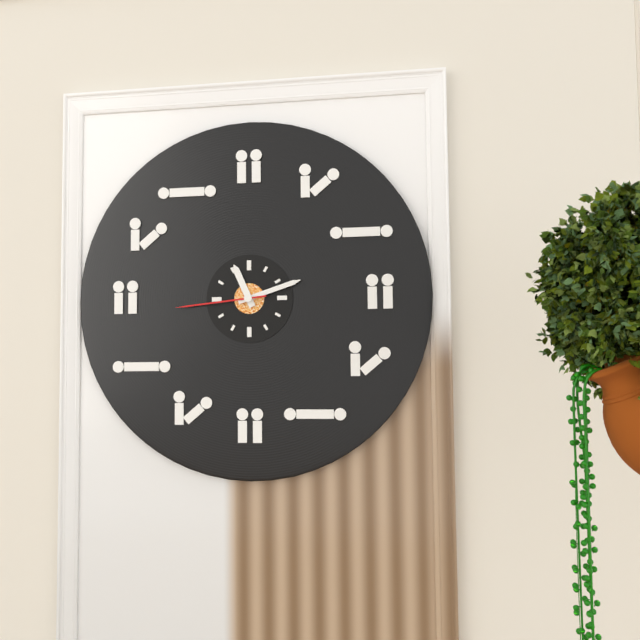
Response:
11,12,44
